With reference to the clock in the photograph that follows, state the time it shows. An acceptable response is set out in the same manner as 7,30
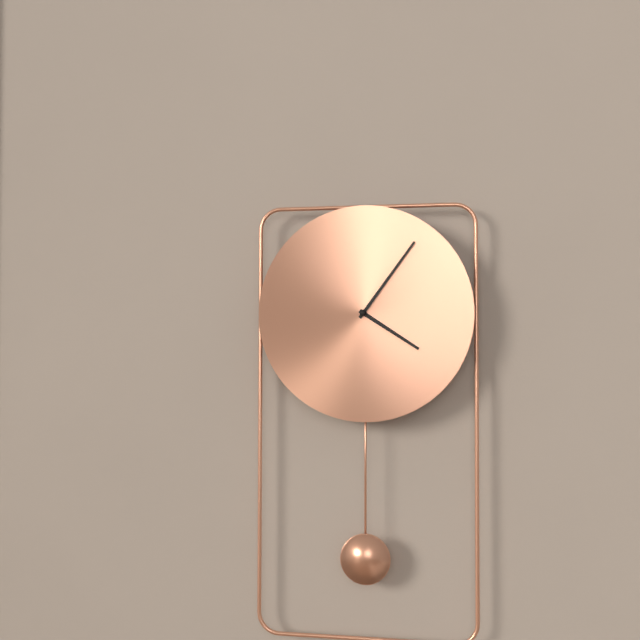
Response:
4,06
